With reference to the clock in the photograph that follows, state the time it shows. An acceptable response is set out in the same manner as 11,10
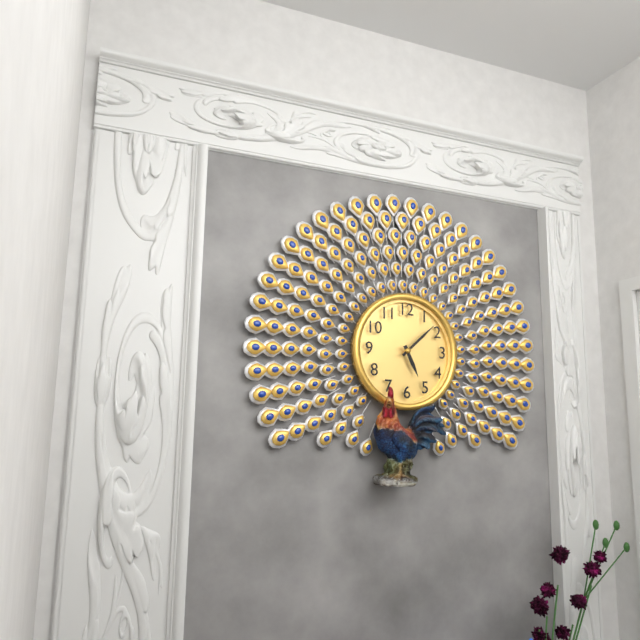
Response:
5,08
